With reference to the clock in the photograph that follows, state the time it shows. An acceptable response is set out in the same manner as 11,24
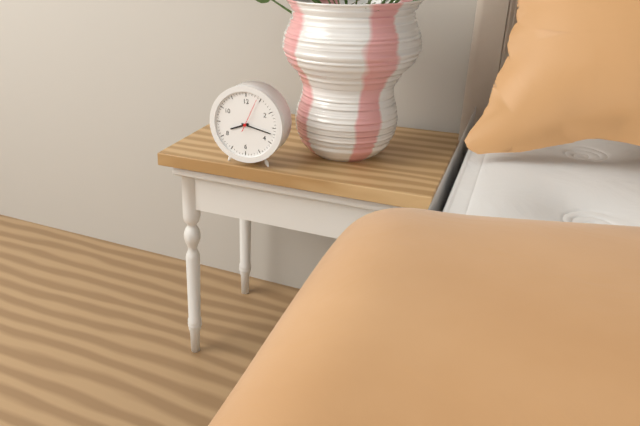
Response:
8,17
